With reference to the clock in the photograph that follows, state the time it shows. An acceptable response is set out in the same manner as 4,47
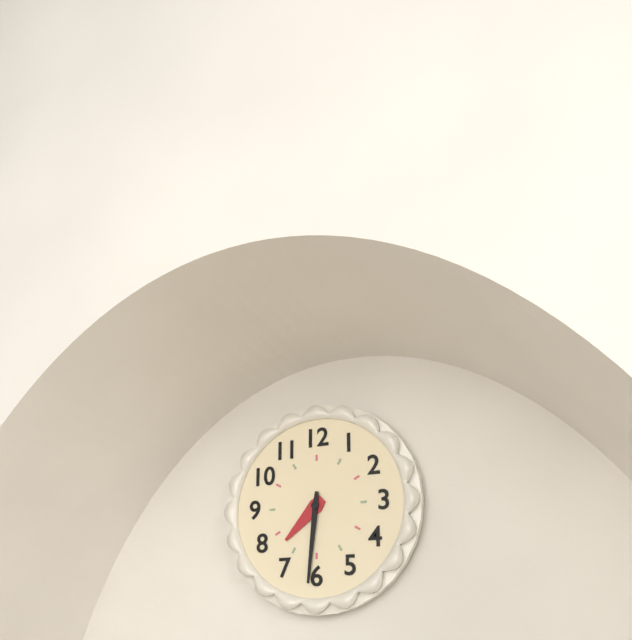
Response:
7,31
